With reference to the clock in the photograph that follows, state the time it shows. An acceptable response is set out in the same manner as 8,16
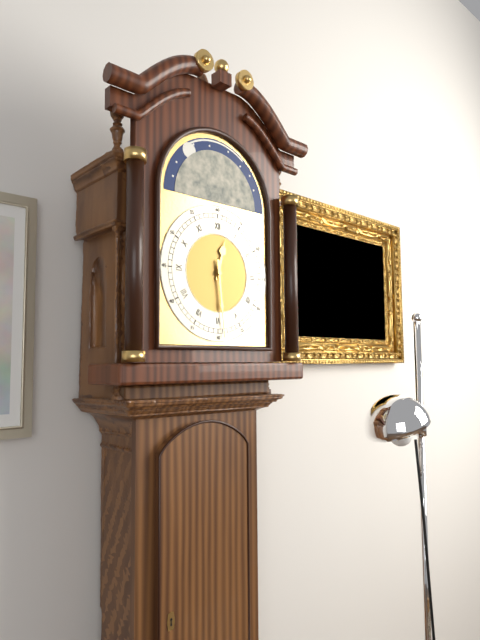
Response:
12,29
